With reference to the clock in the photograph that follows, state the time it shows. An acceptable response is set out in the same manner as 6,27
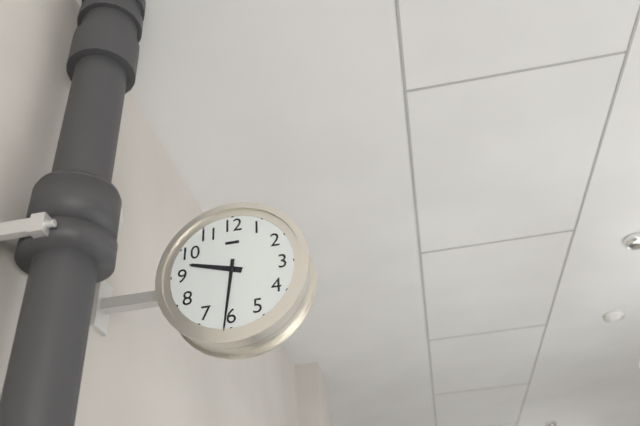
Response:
9,31
